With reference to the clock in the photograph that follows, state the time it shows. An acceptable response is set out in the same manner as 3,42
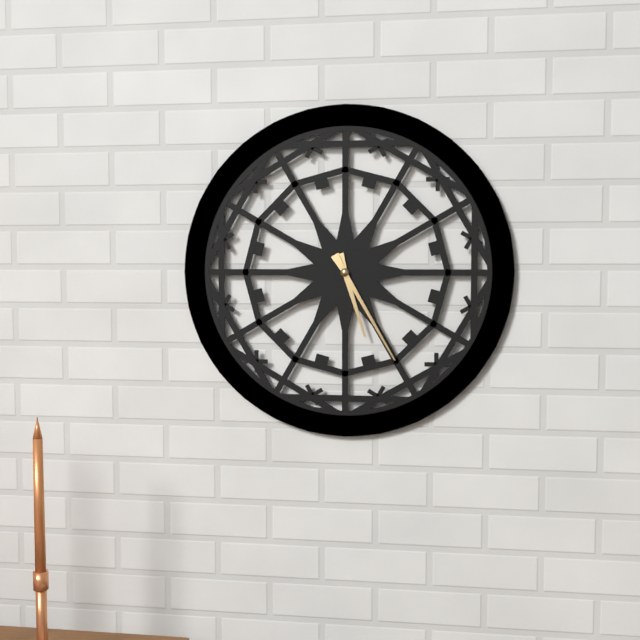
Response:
5,25
